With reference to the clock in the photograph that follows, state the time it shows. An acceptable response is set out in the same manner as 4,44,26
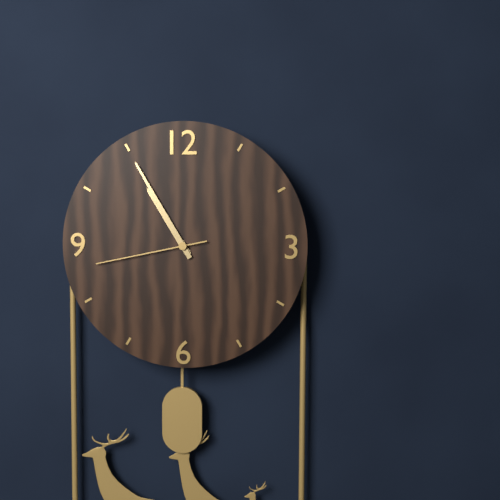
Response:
10,55,43
